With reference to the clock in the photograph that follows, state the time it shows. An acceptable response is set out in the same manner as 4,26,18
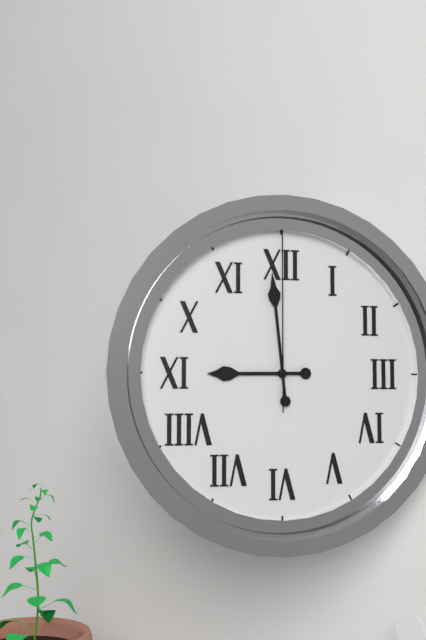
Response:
8,59,00
